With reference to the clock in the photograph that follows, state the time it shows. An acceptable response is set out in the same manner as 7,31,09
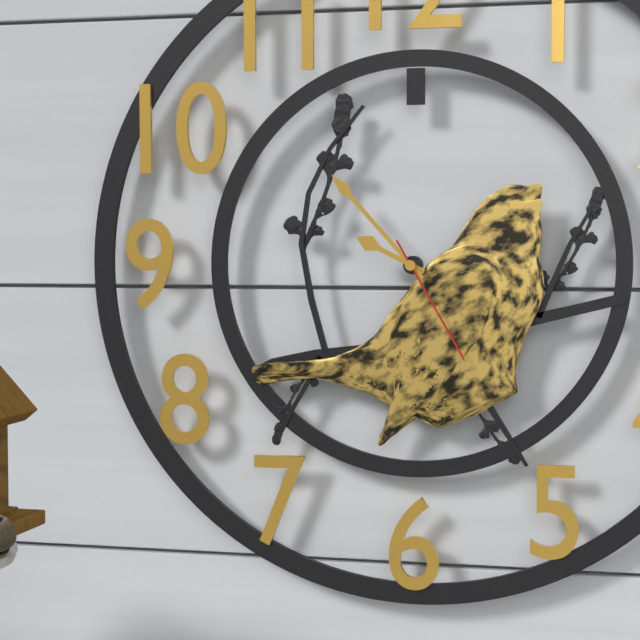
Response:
9,53,25
